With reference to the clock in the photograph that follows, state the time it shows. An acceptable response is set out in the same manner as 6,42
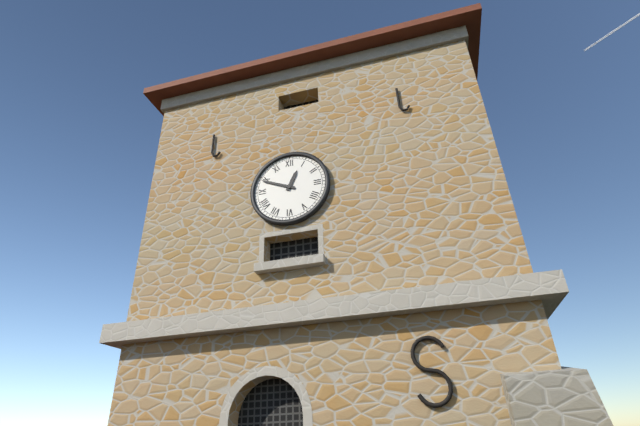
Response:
12,49
